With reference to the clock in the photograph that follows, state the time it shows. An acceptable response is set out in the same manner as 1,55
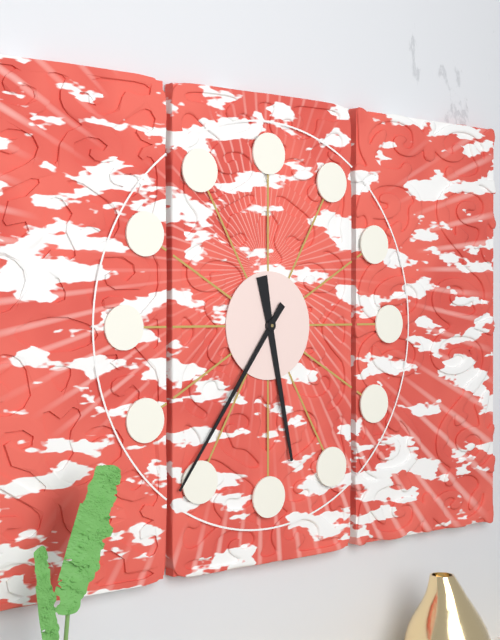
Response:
5,36
